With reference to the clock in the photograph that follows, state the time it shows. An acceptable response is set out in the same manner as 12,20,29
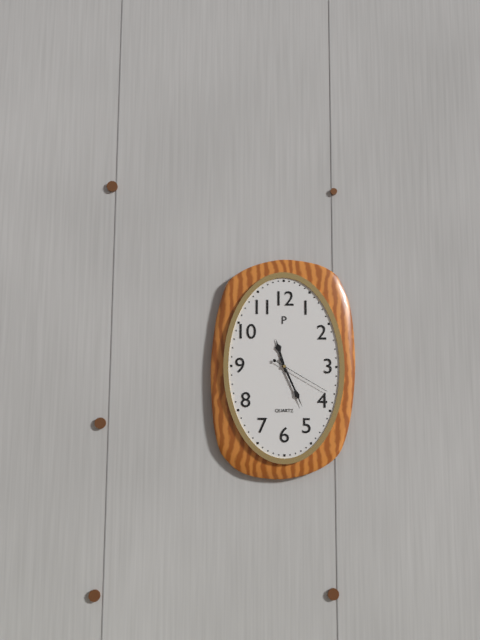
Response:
11,26,20
